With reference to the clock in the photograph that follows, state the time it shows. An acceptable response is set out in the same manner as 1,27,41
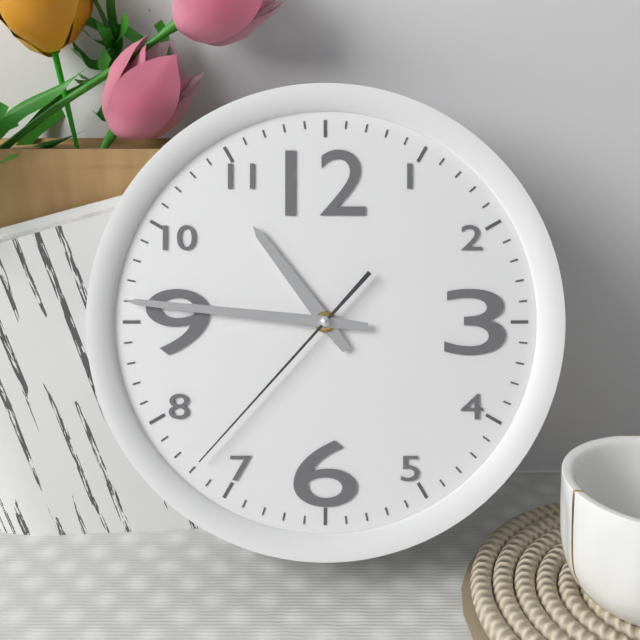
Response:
10,46,37
